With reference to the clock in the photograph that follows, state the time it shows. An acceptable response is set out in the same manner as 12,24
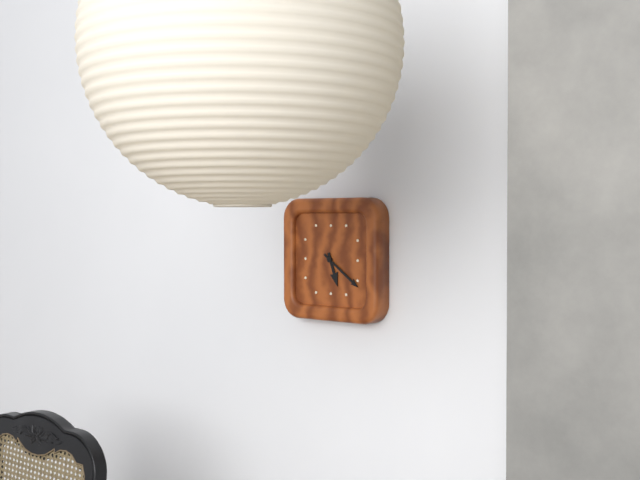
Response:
5,21
